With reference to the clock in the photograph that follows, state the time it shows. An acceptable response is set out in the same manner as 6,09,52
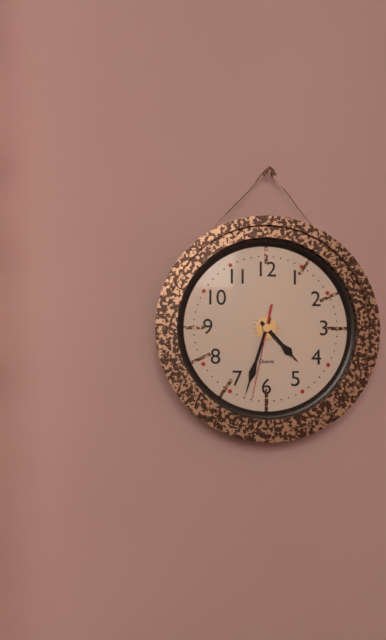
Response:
4,33,32
